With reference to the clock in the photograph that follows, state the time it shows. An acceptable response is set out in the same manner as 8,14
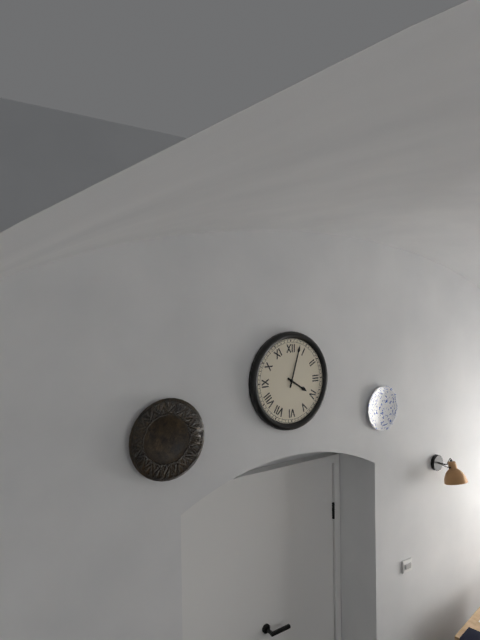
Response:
4,03
